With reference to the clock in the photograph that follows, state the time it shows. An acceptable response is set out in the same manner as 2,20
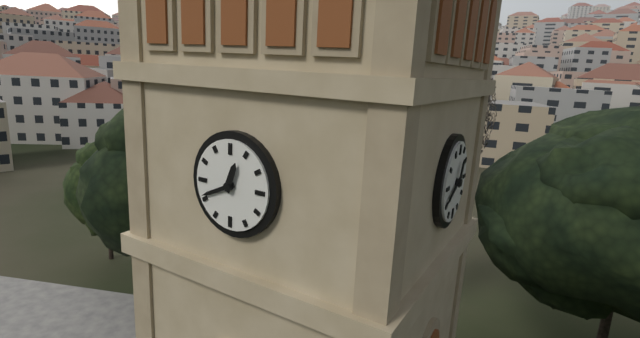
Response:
12,41
